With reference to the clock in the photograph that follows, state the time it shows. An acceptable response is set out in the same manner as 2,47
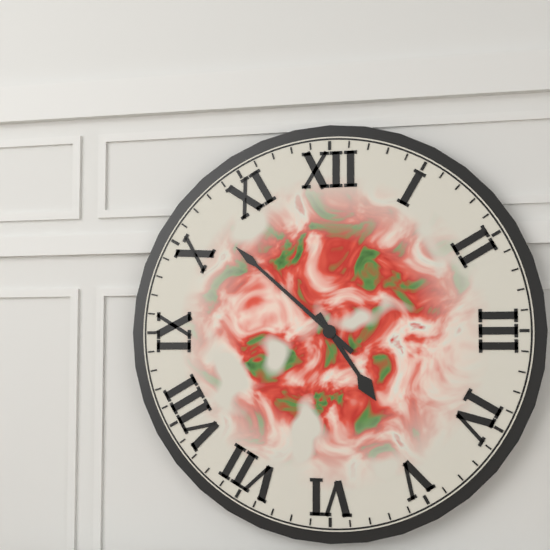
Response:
4,52
